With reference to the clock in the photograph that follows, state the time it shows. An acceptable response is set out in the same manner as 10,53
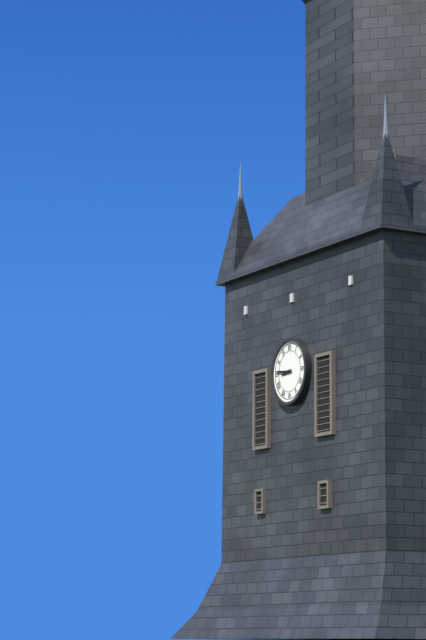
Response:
8,46
